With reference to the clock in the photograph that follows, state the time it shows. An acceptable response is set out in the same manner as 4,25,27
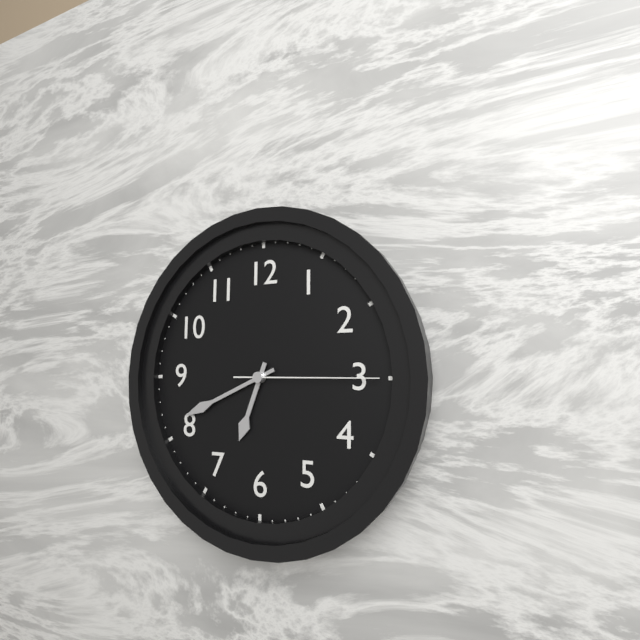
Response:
6,41,15
